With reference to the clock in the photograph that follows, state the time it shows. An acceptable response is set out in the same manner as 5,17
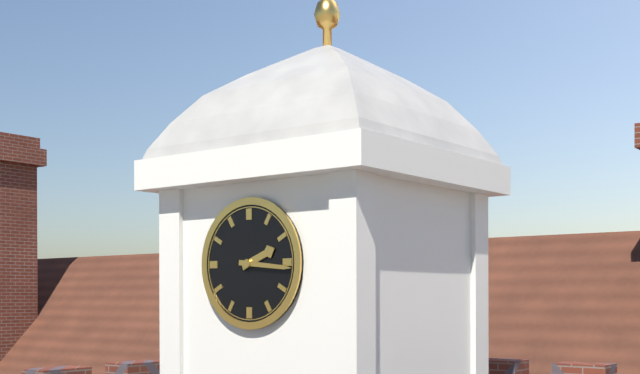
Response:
2,16
